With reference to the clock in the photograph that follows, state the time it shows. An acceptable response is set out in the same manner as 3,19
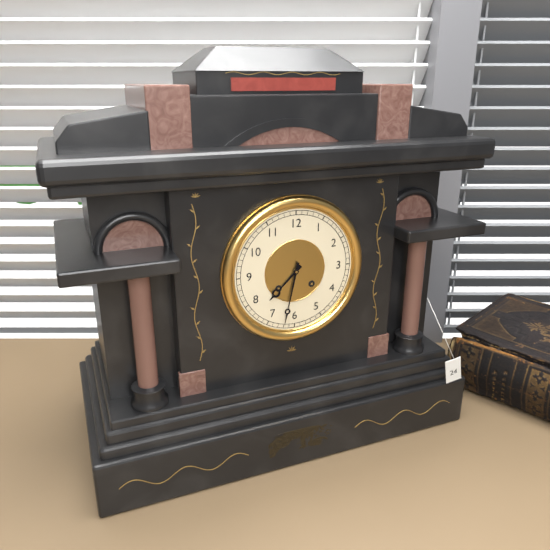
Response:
7,32
